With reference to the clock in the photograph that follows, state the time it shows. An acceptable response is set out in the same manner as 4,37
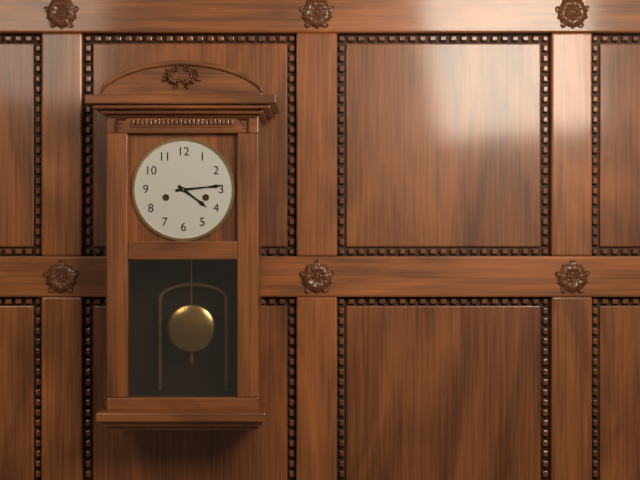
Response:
4,14
